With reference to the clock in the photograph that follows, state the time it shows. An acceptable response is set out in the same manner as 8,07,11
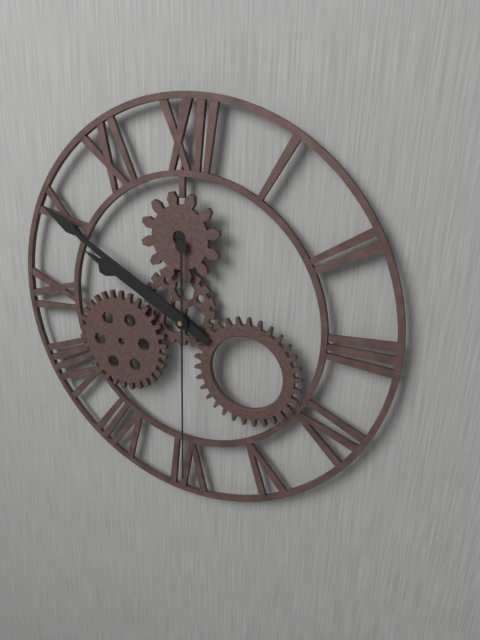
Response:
9,50,30
